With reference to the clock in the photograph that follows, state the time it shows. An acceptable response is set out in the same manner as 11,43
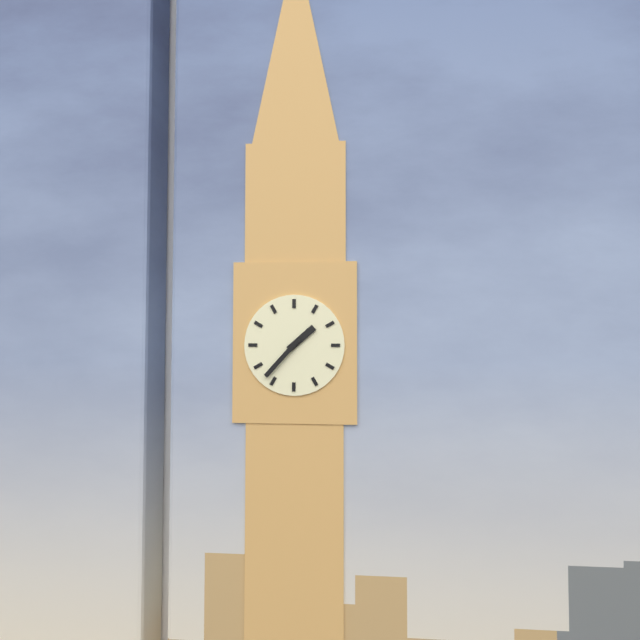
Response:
1,37
